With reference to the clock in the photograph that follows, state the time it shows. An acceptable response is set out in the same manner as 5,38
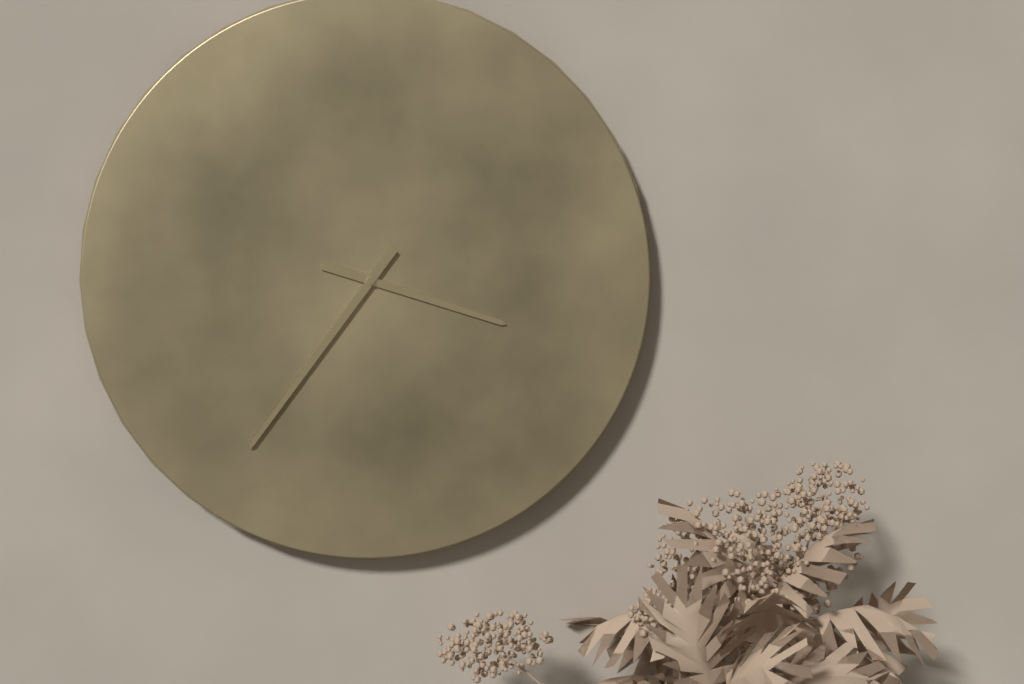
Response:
3,36
